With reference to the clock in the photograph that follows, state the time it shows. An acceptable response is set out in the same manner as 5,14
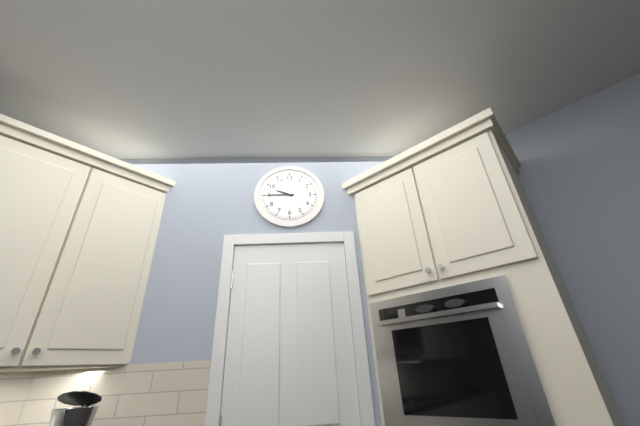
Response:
9,45
